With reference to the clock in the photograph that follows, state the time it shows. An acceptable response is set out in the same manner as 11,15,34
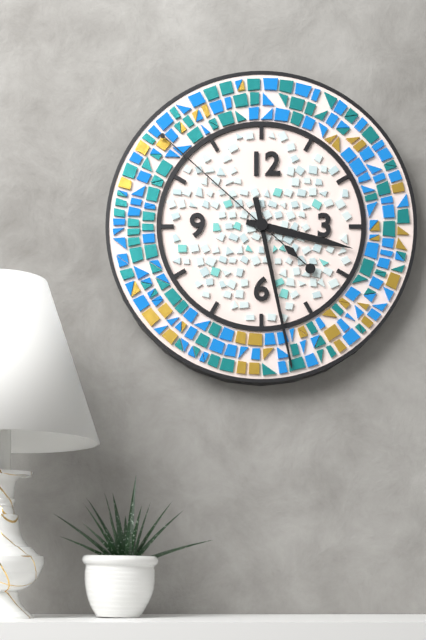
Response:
3,28,52
